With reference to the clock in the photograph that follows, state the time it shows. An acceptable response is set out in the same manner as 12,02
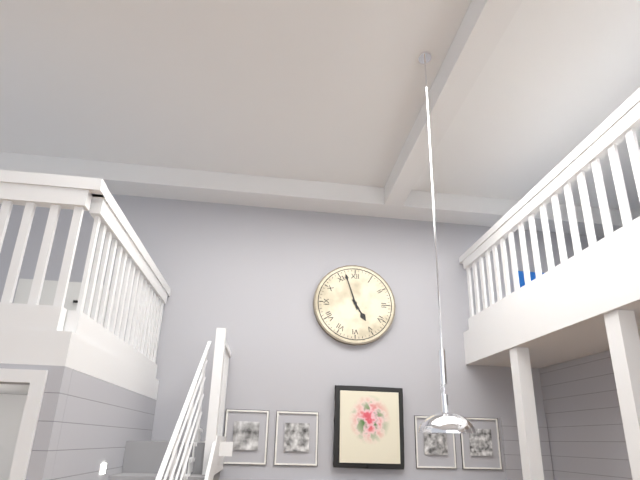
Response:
4,57
